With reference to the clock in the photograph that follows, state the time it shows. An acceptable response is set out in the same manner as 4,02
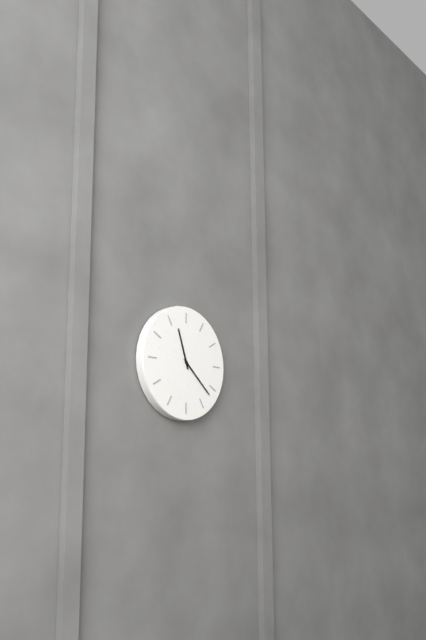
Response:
11,22
